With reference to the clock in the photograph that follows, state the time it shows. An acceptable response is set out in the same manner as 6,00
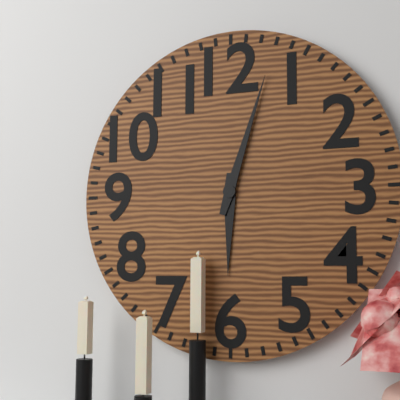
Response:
6,03
